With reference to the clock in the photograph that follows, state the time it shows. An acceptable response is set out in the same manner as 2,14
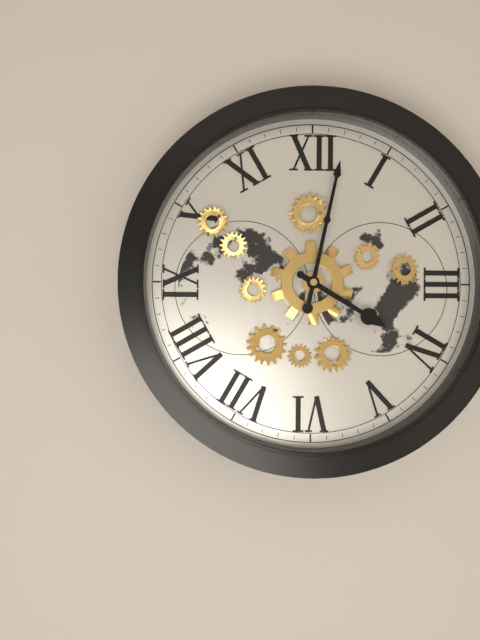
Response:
4,02
